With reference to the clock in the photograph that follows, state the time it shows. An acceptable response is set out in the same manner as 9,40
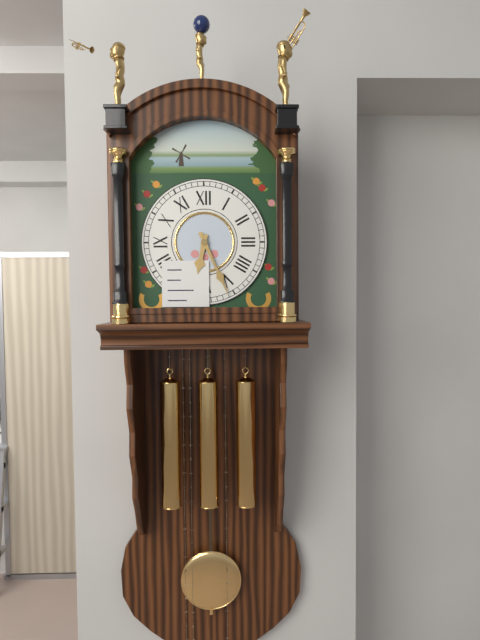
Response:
6,26
